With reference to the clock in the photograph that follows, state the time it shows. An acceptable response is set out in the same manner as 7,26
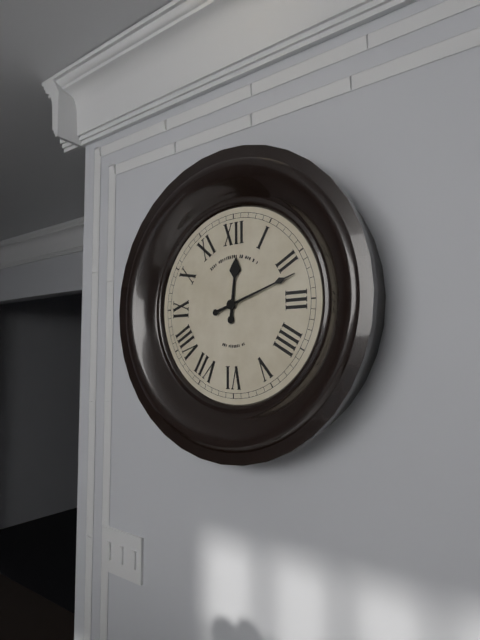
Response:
12,12
